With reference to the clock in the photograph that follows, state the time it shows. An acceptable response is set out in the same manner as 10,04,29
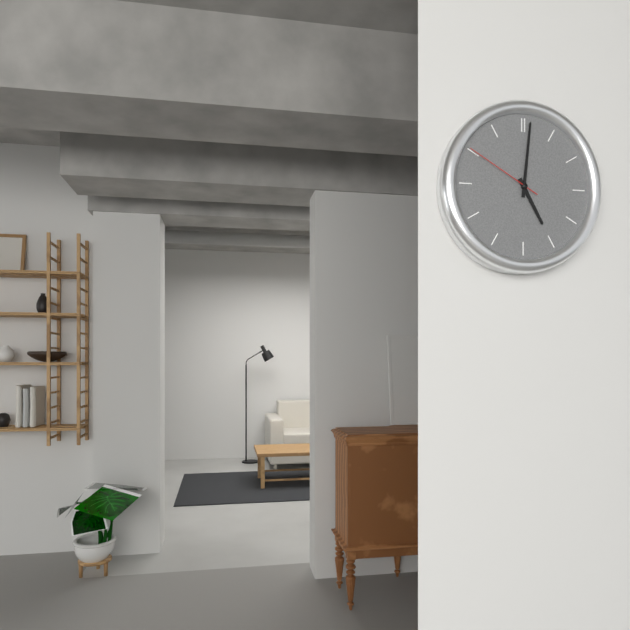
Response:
5,01,50
